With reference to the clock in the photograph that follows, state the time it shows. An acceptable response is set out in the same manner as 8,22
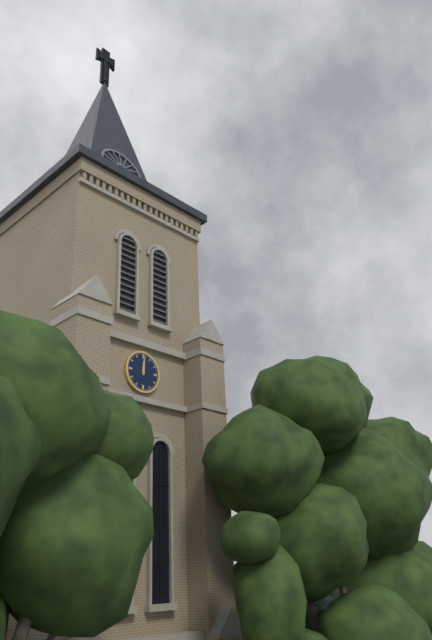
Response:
12,01
